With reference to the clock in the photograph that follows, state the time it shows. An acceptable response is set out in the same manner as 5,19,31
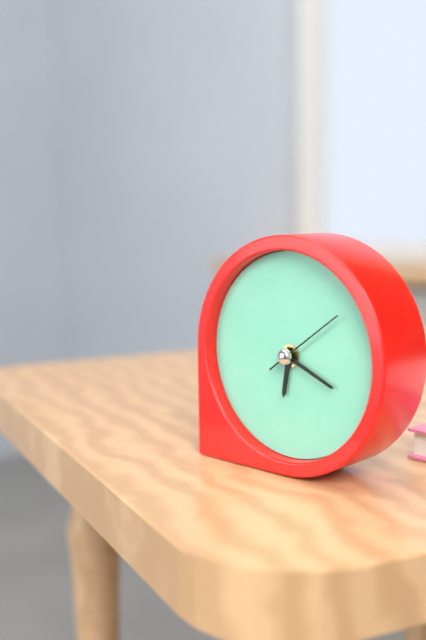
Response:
6,19,09
